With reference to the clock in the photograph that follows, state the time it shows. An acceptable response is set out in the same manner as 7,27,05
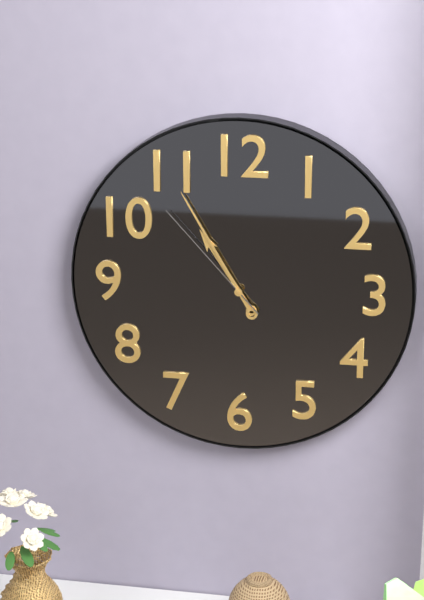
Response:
10,55,53
